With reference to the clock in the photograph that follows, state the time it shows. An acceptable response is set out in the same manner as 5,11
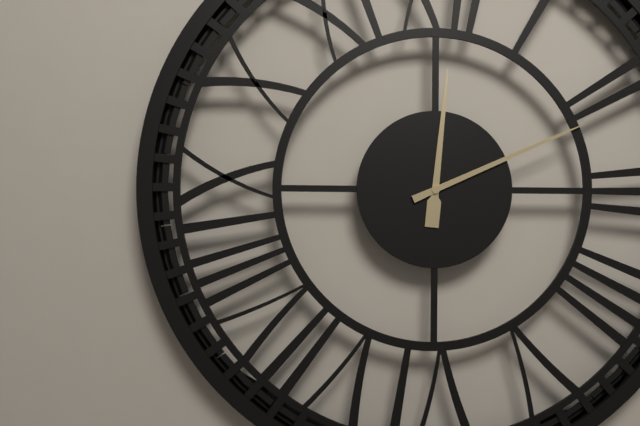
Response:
12,11
